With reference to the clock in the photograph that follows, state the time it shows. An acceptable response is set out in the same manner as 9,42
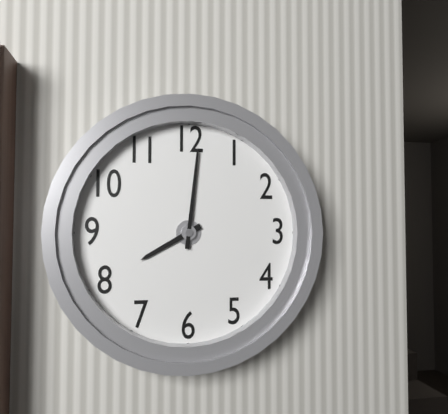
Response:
8,01
